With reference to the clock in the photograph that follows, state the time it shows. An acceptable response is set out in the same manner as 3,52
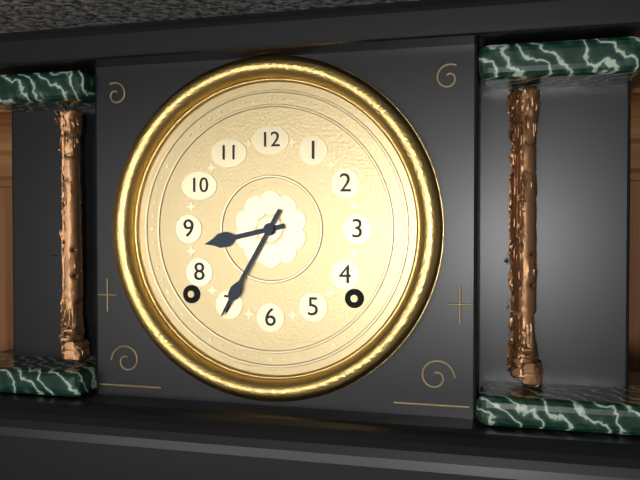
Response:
8,35
